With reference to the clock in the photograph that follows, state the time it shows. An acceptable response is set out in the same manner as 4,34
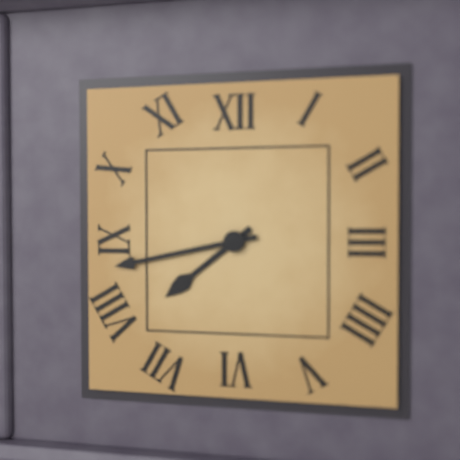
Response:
7,43
